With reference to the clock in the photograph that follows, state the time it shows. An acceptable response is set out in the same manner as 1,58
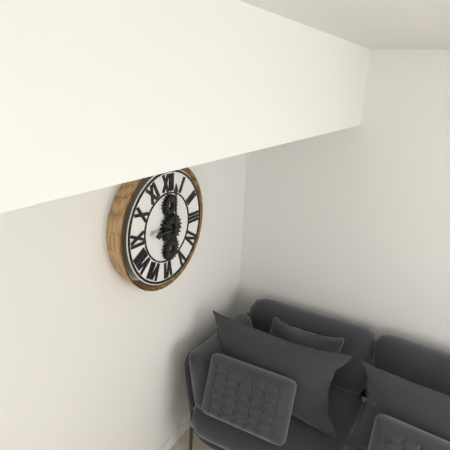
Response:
9,00
